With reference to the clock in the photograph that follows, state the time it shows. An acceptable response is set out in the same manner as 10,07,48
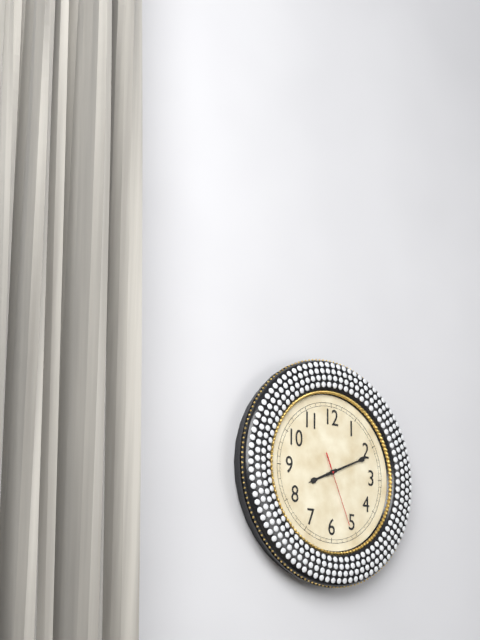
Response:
8,11,26
